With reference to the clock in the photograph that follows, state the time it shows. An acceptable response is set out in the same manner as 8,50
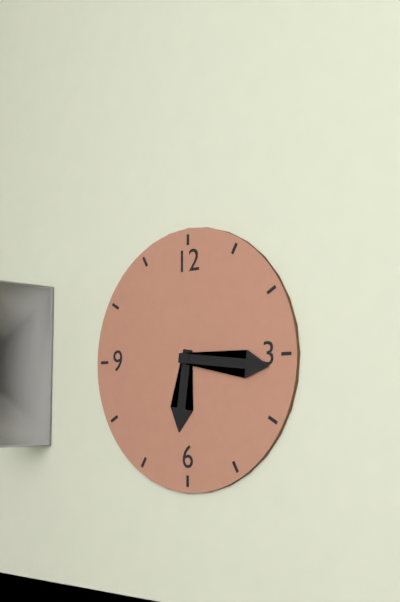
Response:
6,16
